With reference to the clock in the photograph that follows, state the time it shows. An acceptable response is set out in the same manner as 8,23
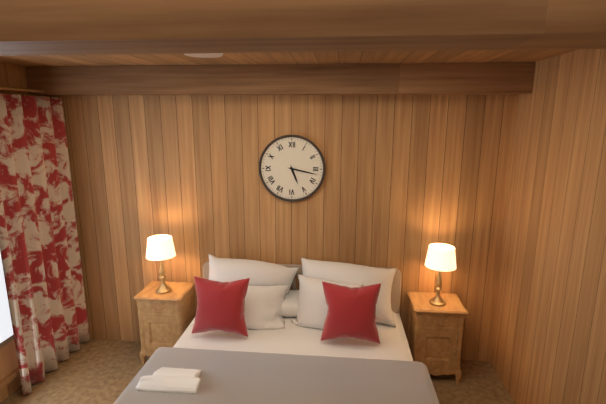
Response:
5,17
